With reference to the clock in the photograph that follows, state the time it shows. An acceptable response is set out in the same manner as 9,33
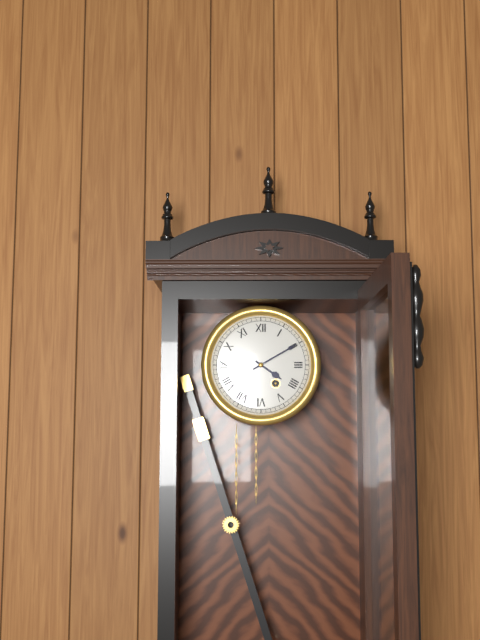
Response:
4,10
